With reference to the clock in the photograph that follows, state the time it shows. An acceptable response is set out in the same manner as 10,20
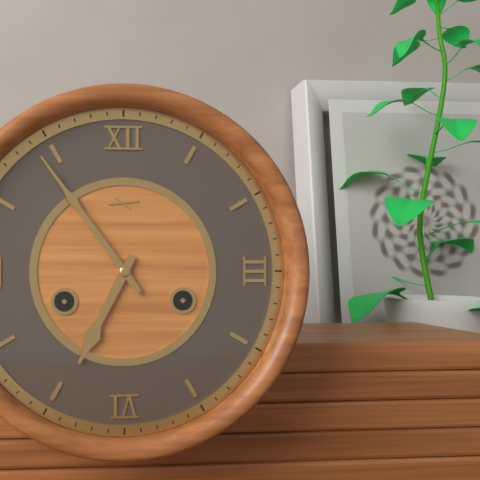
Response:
6,54
